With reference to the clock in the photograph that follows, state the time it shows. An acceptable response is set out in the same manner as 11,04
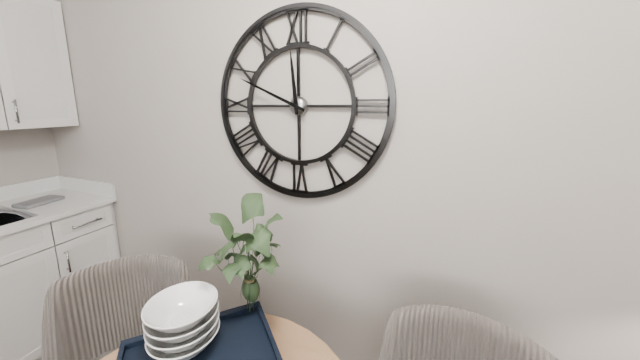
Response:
11,49
